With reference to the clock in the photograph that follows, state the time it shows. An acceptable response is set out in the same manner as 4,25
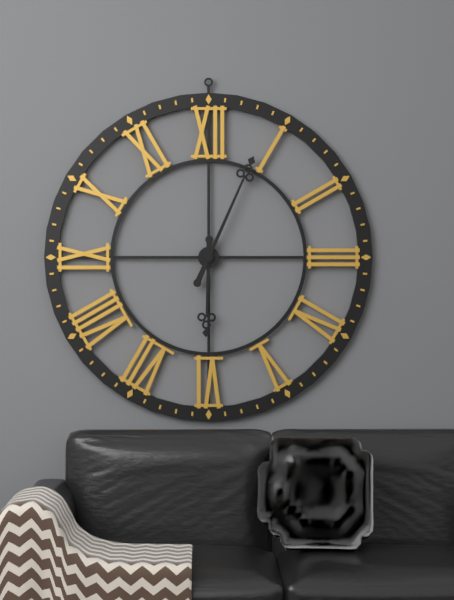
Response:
6,04
